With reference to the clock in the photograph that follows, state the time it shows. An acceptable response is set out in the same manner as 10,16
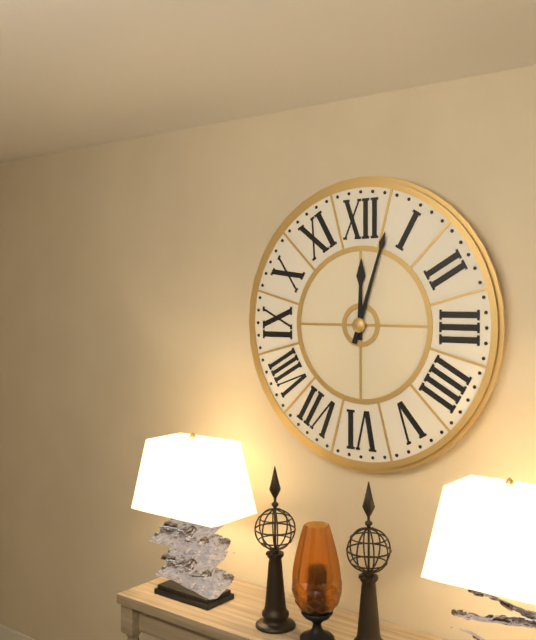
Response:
12,03
